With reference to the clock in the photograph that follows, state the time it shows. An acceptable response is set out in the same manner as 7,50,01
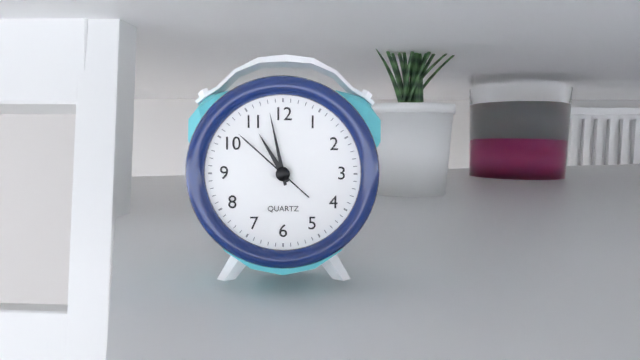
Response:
10,58,52
